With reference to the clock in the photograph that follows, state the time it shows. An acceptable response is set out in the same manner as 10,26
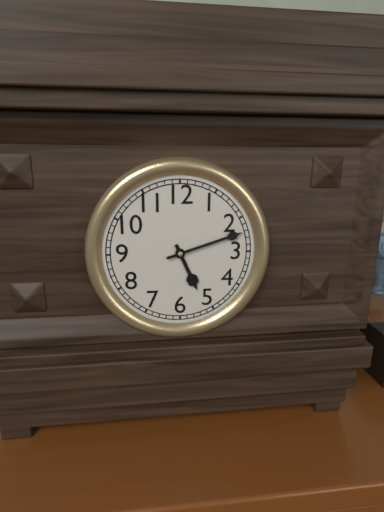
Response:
5,12
